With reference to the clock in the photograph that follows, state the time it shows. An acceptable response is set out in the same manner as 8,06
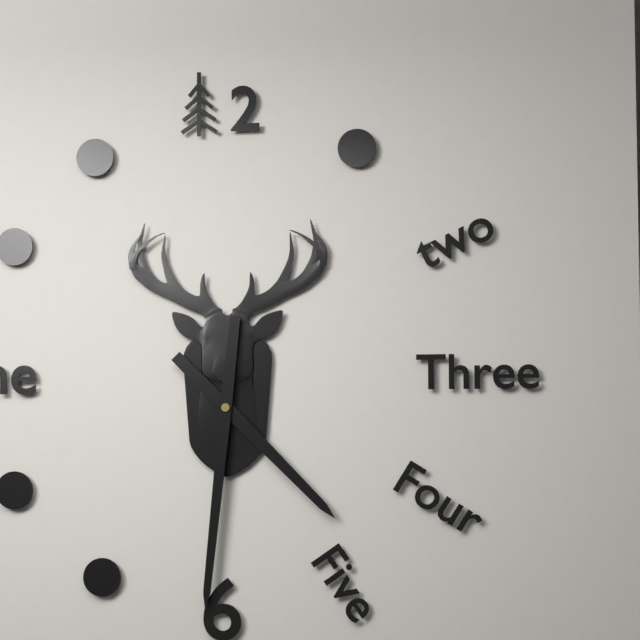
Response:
4,31
